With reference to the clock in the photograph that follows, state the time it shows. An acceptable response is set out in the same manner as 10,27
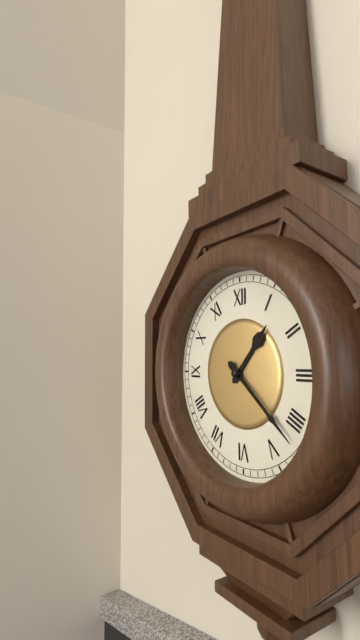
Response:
1,22
